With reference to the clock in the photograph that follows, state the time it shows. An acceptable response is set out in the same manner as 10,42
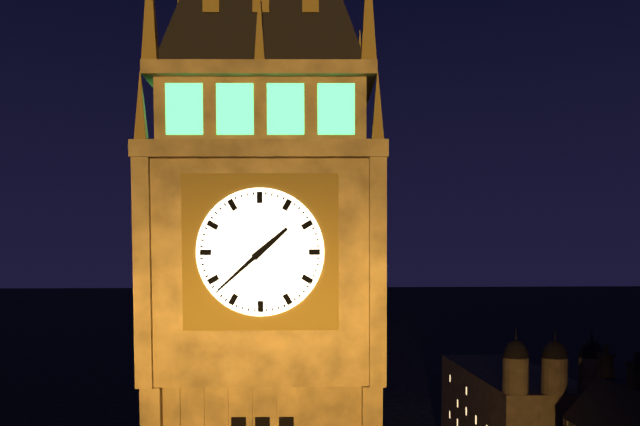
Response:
1,38
